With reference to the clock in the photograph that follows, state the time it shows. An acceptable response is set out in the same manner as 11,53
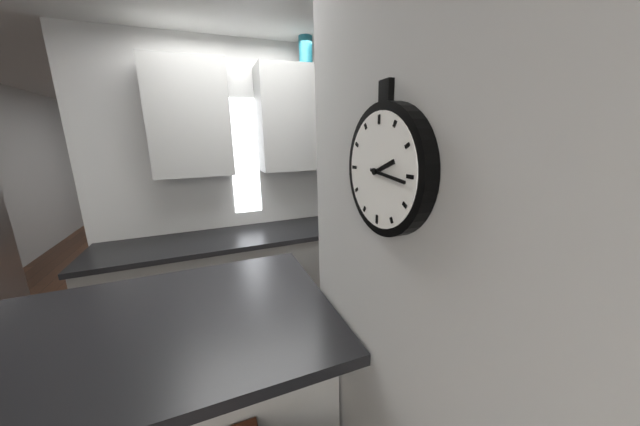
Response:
2,16
